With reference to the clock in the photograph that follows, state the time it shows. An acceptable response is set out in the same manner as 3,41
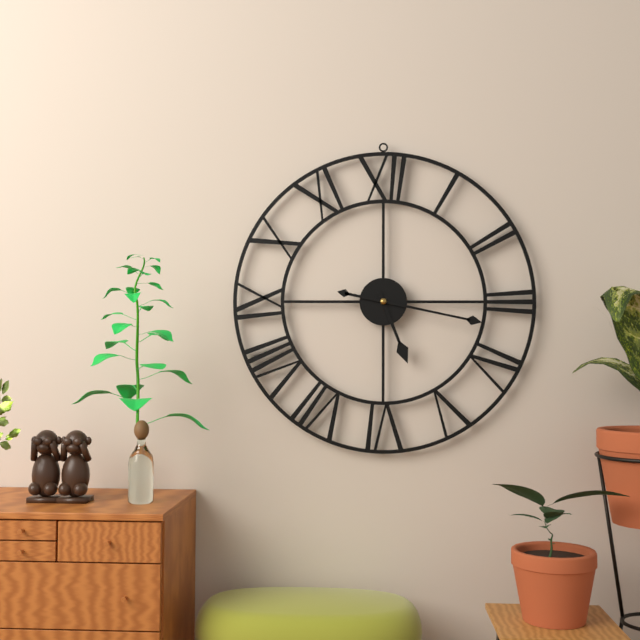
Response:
5,17
